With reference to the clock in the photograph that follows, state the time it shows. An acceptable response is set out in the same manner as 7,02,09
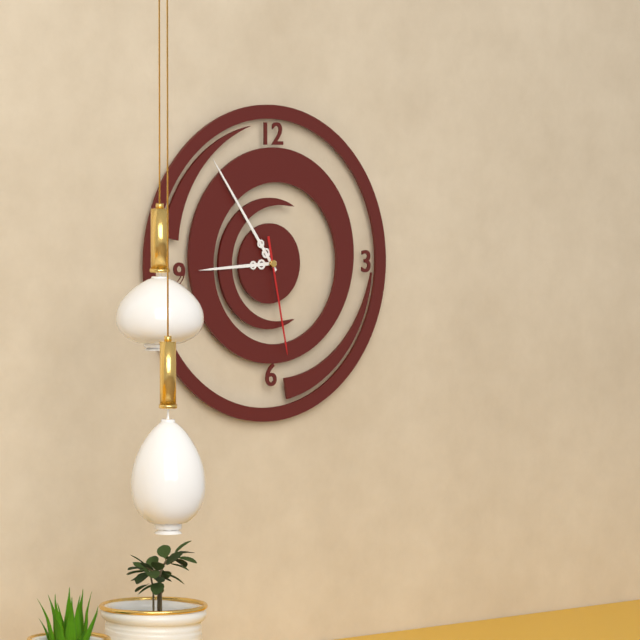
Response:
8,54,28
